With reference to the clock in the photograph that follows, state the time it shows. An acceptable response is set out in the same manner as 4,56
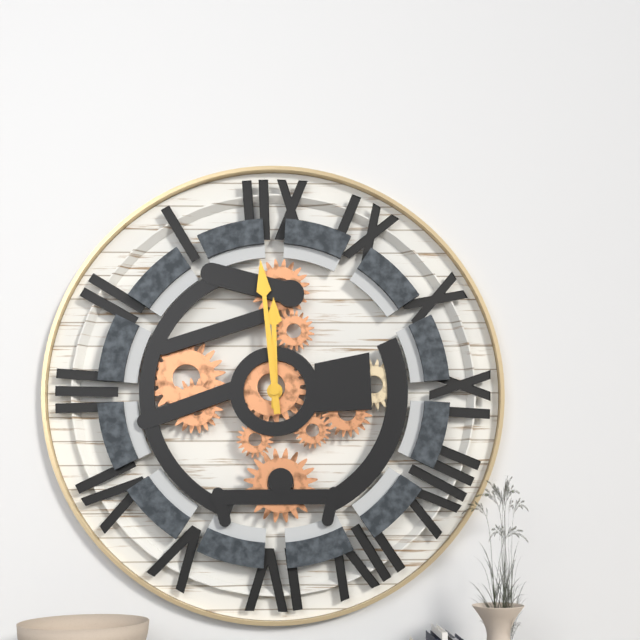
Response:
11,59
